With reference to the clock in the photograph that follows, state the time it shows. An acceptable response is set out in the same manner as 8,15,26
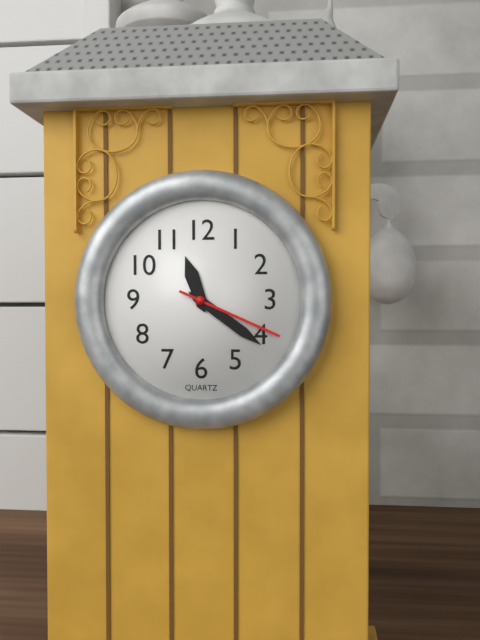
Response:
11,21,19
